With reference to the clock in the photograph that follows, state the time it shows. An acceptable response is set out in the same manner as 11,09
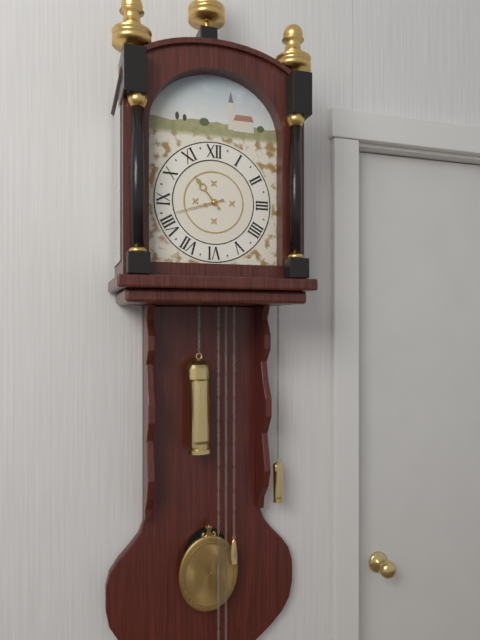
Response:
10,42
